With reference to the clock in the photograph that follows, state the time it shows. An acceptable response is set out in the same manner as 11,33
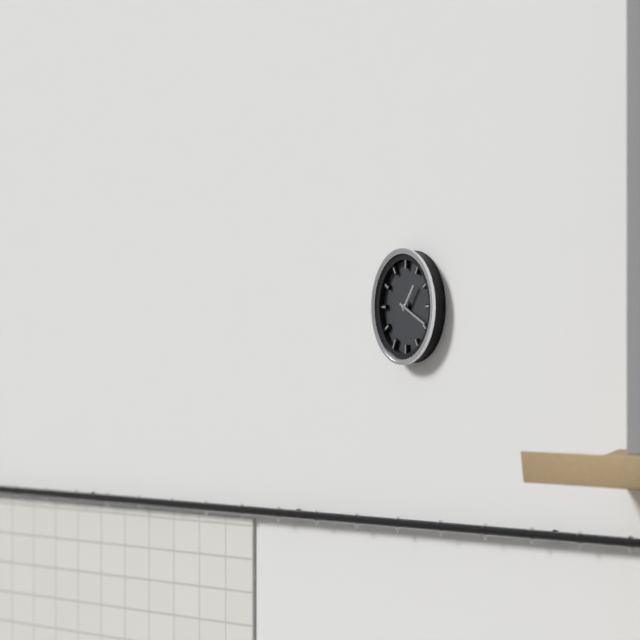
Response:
1,19
